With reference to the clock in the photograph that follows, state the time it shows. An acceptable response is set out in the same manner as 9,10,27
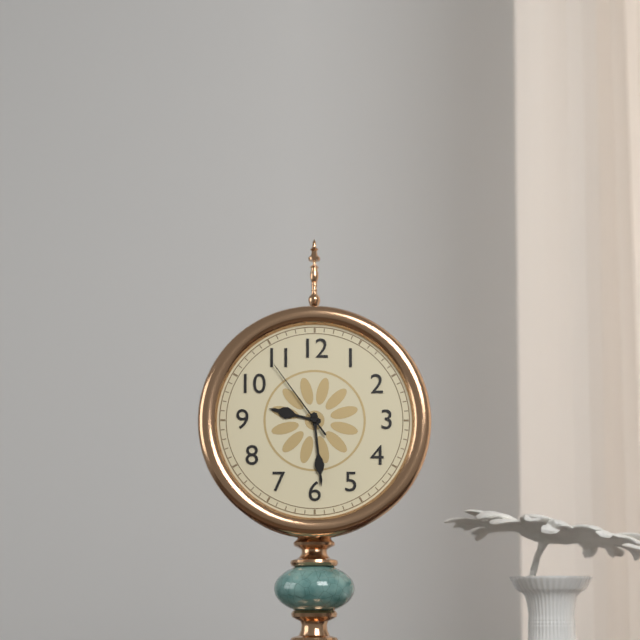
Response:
9,29,54
